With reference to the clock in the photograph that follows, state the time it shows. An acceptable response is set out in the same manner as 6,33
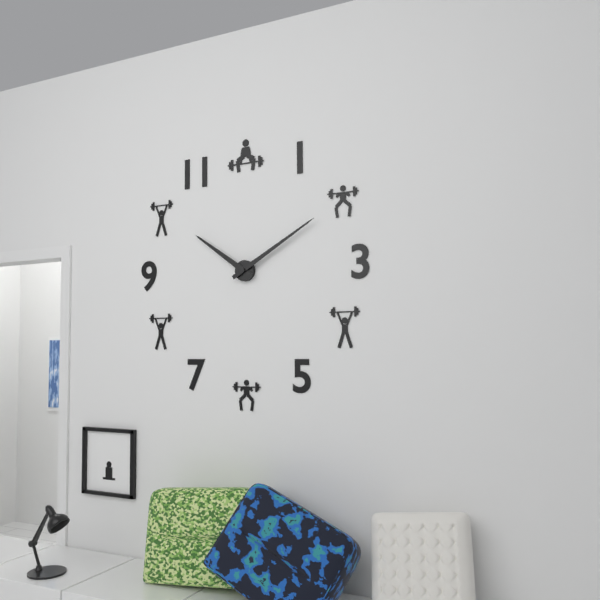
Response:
10,10
